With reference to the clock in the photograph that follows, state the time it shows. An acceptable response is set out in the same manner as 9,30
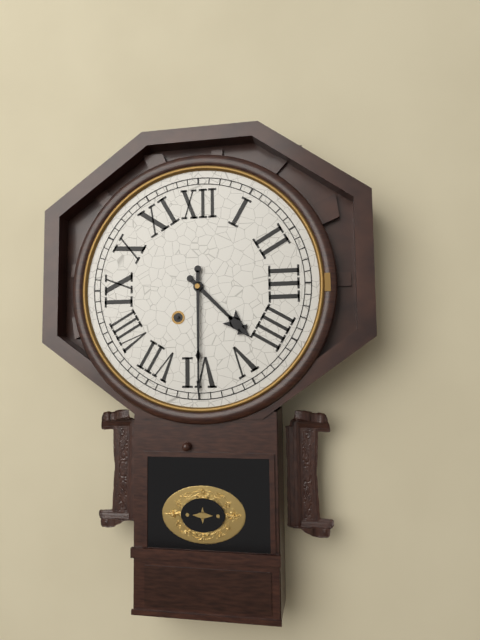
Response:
4,30
